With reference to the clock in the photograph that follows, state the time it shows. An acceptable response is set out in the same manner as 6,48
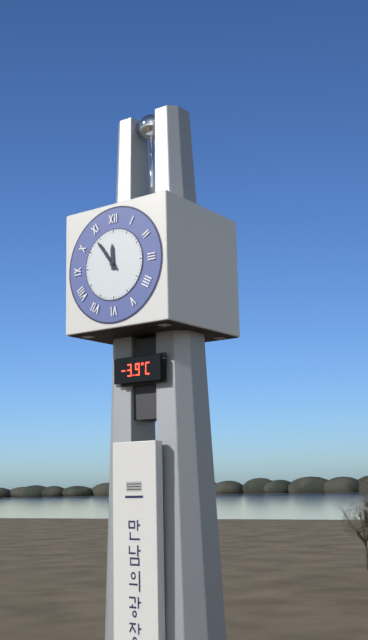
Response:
11,54
